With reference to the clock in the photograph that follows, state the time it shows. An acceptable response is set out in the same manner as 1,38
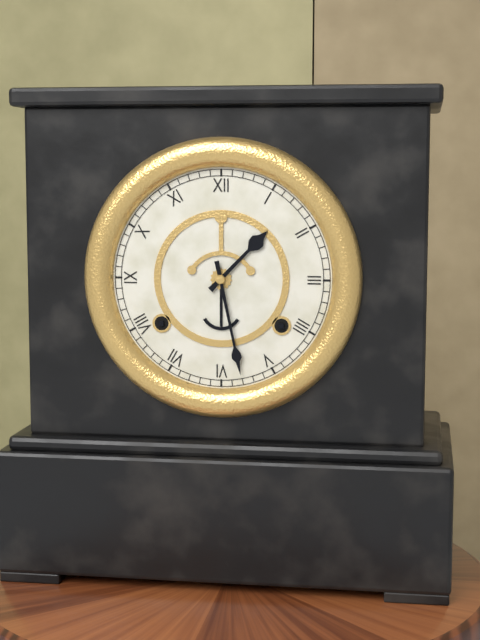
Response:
1,28
